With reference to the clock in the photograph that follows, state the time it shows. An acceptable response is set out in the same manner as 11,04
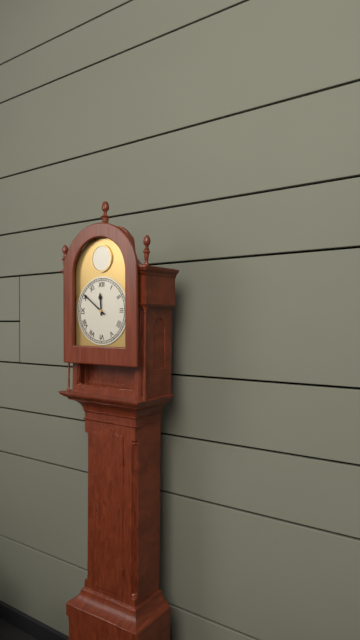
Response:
11,51
